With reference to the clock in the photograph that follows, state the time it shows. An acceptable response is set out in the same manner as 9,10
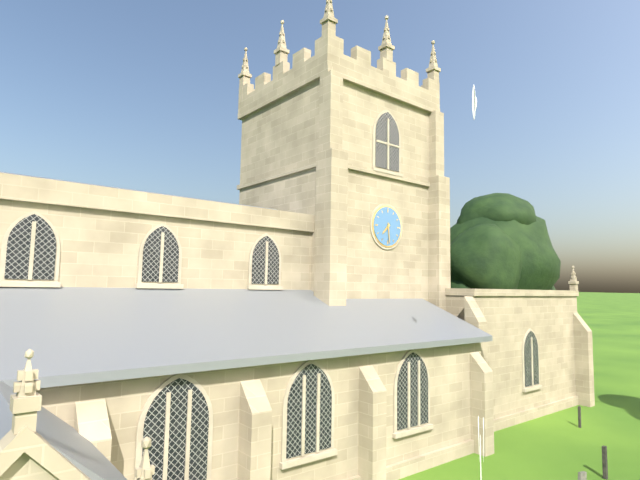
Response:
7,29
